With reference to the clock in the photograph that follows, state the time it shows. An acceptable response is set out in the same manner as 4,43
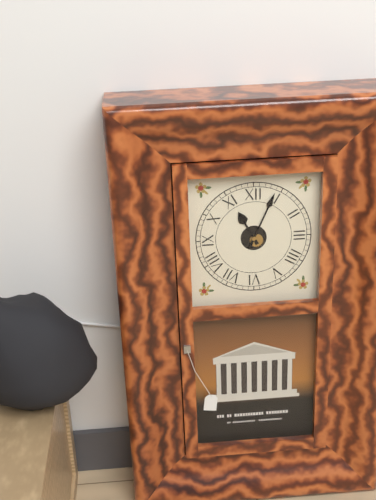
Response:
11,04
